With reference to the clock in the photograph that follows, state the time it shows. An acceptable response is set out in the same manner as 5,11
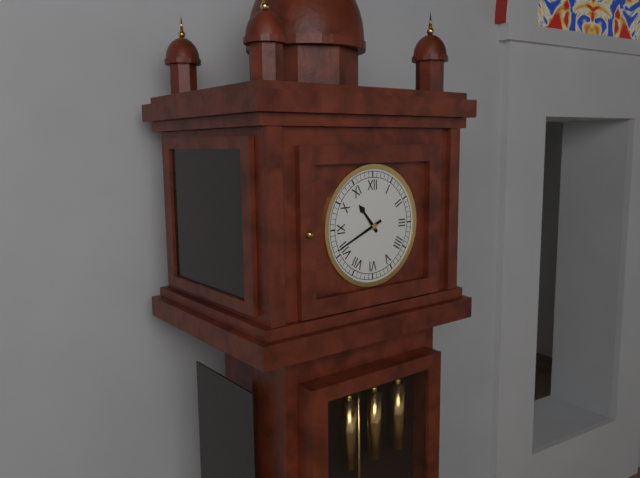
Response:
10,41
